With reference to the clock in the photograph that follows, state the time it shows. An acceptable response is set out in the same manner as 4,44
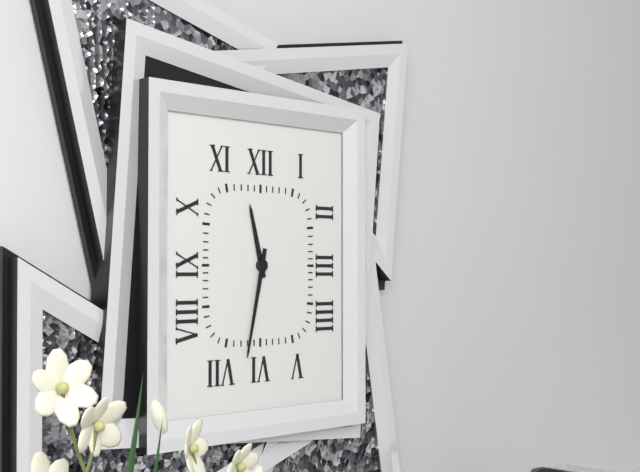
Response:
11,32
